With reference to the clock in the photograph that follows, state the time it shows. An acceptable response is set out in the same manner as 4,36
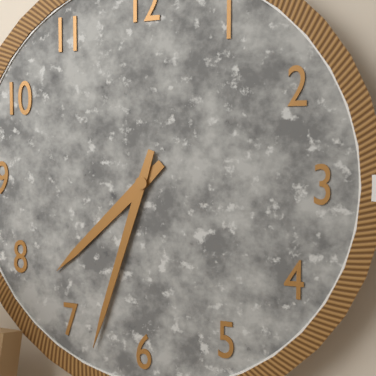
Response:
7,33
